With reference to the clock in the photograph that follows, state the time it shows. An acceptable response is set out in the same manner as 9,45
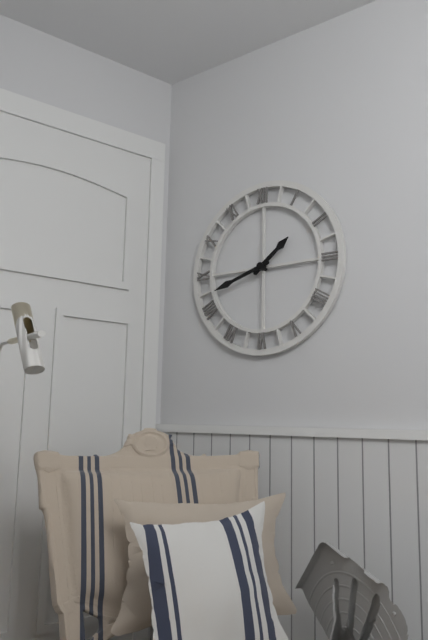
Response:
1,42
